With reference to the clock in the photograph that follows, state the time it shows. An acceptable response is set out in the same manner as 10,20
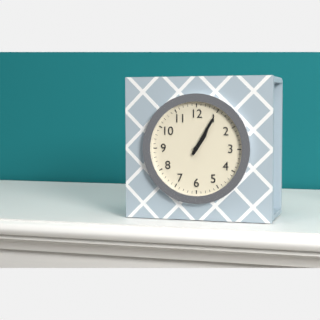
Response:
1,05
